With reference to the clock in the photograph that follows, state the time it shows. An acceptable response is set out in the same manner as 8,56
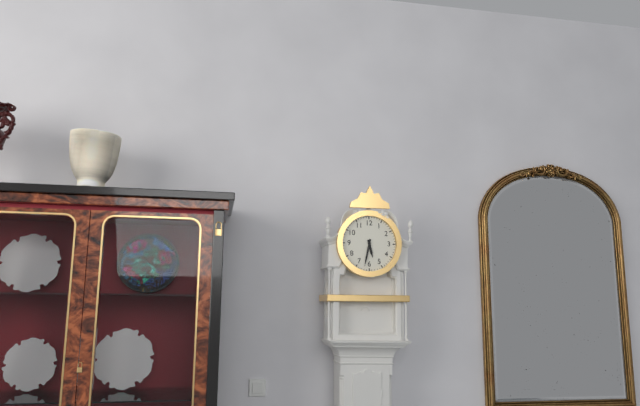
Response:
5,32
